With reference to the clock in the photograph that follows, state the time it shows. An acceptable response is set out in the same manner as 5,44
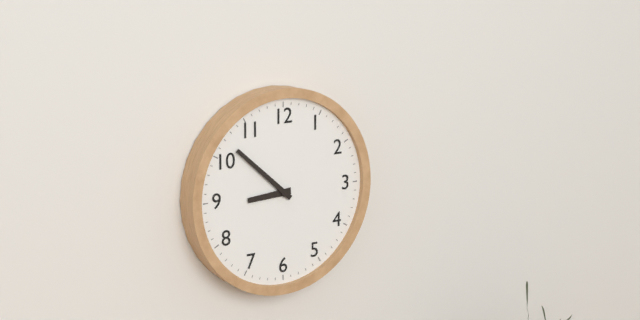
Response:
8,52
